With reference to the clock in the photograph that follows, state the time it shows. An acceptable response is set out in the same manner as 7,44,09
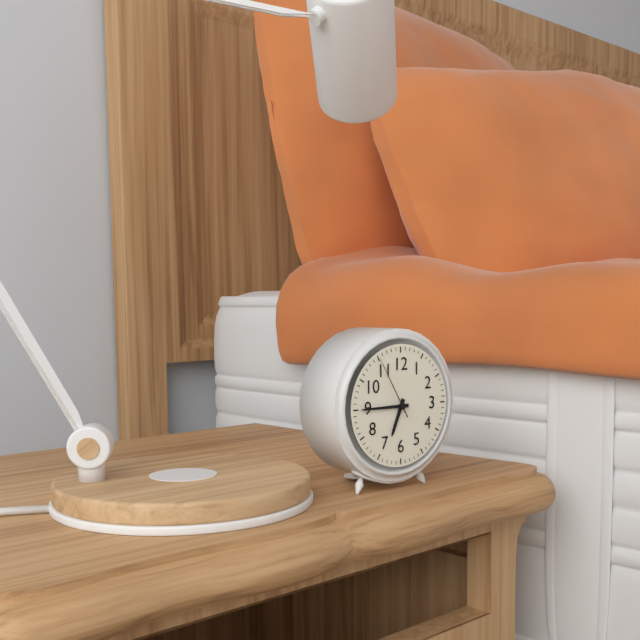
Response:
6,45,55
